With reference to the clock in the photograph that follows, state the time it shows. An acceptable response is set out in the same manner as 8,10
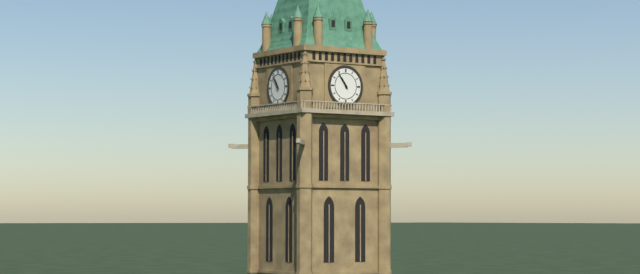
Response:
10,54
